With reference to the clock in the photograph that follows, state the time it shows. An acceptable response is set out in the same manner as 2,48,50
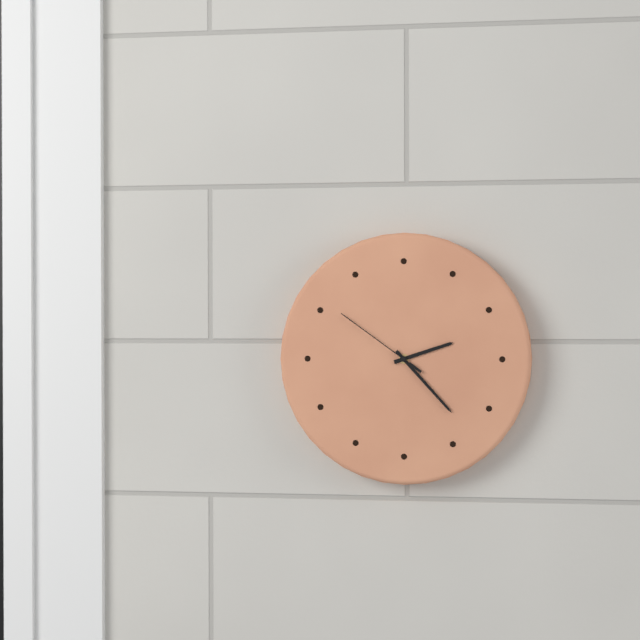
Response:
2,23,51
